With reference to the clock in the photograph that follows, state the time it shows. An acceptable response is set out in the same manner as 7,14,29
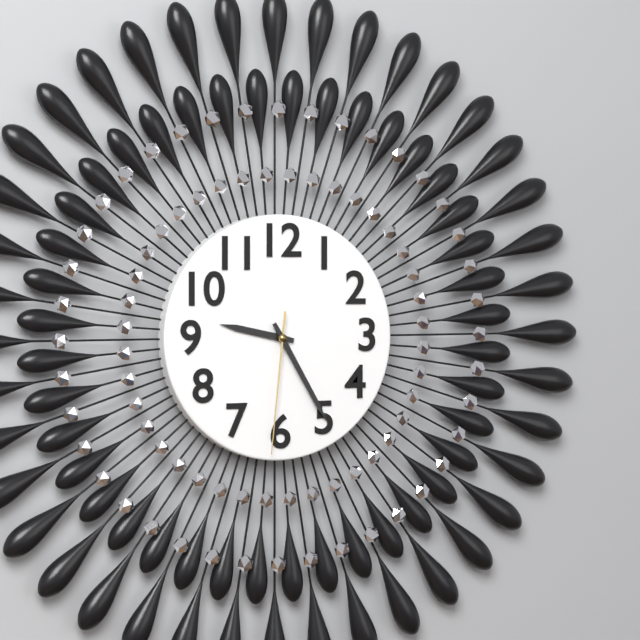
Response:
9,25,31
